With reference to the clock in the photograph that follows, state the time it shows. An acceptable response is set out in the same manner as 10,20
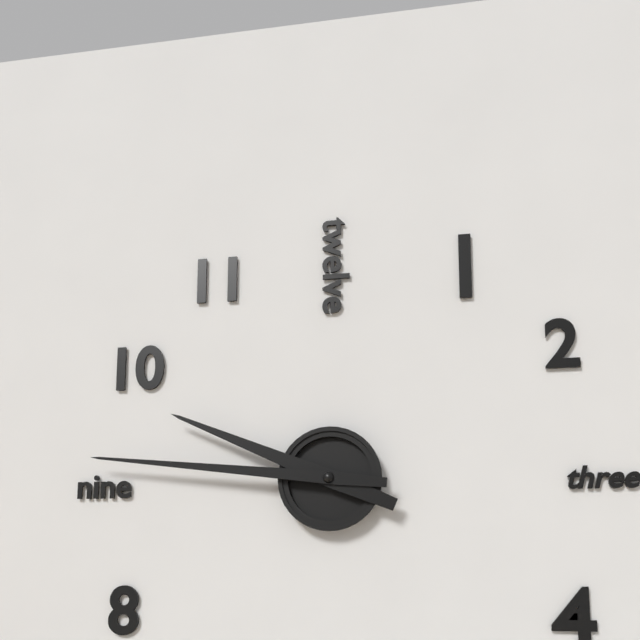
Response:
9,46
